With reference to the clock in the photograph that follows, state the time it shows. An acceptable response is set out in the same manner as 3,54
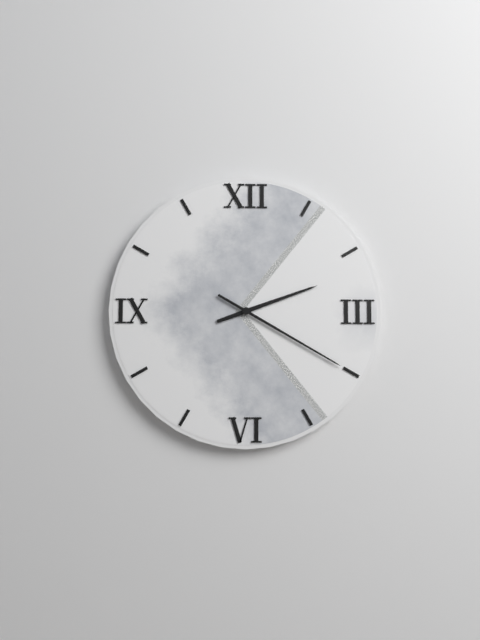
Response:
2,20
